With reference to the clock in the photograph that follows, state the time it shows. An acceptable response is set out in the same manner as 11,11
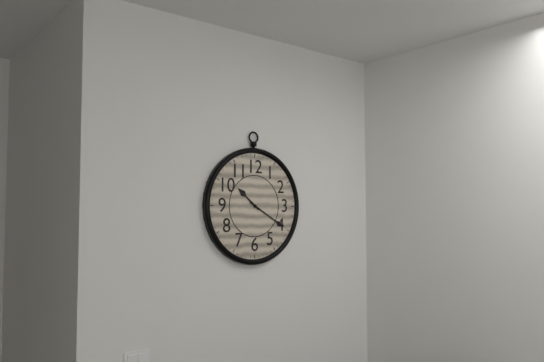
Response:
10,20
